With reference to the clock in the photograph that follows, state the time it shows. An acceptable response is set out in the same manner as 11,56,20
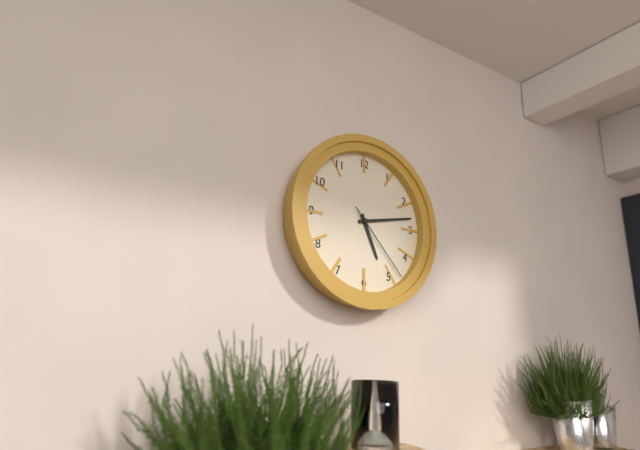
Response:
5,13,23
